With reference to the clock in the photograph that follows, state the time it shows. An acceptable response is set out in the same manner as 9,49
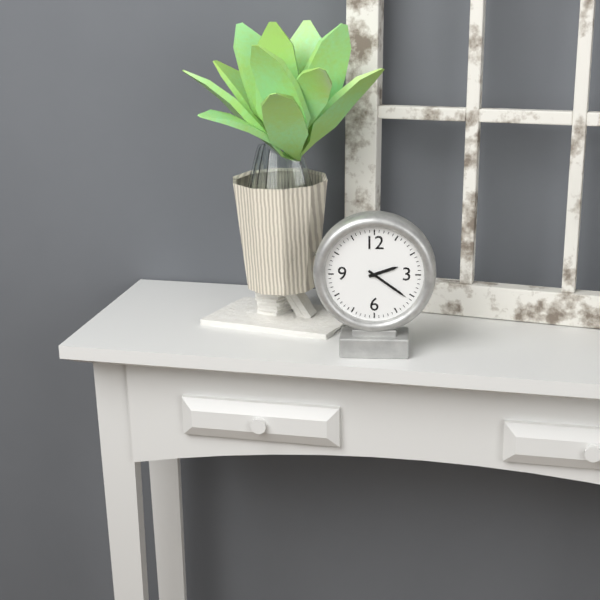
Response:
2,21
